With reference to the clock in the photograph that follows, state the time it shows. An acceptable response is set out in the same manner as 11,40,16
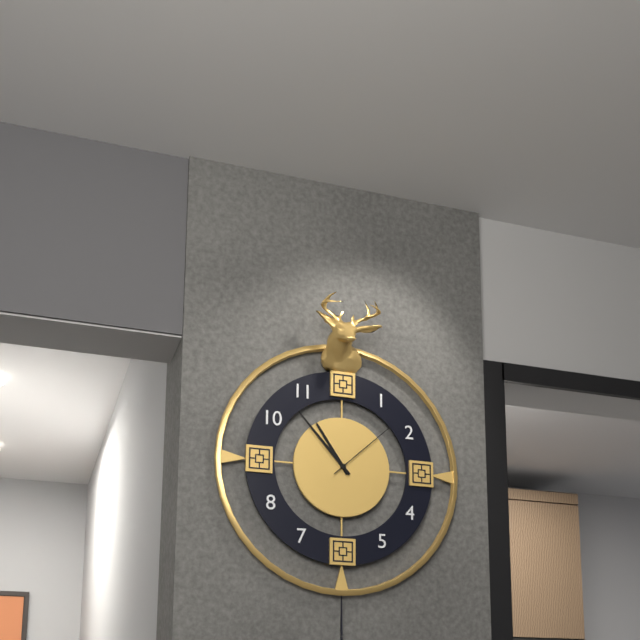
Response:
10,53,08
